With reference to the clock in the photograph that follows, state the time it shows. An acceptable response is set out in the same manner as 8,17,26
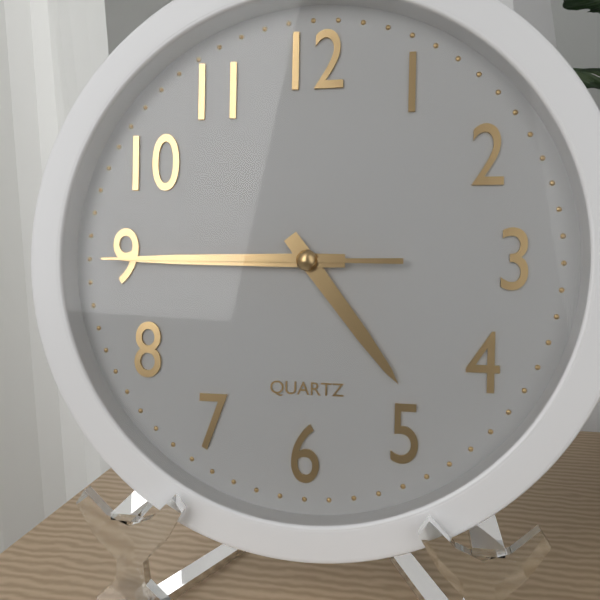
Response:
4,45,45
